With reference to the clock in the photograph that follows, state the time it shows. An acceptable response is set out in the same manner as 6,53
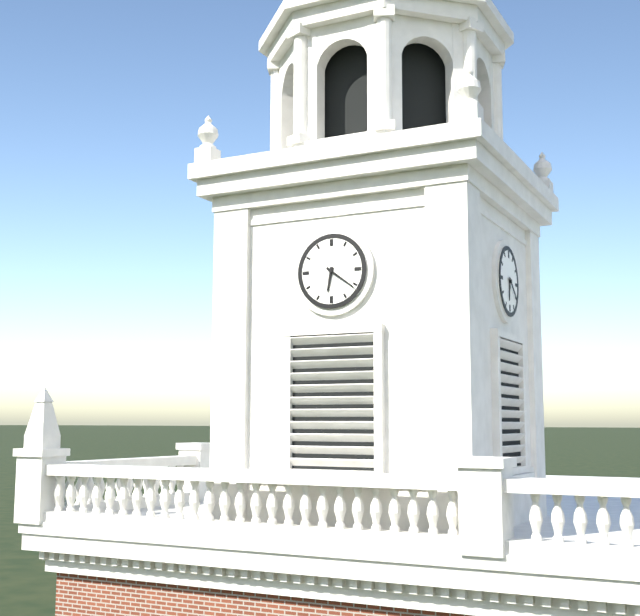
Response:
6,21
